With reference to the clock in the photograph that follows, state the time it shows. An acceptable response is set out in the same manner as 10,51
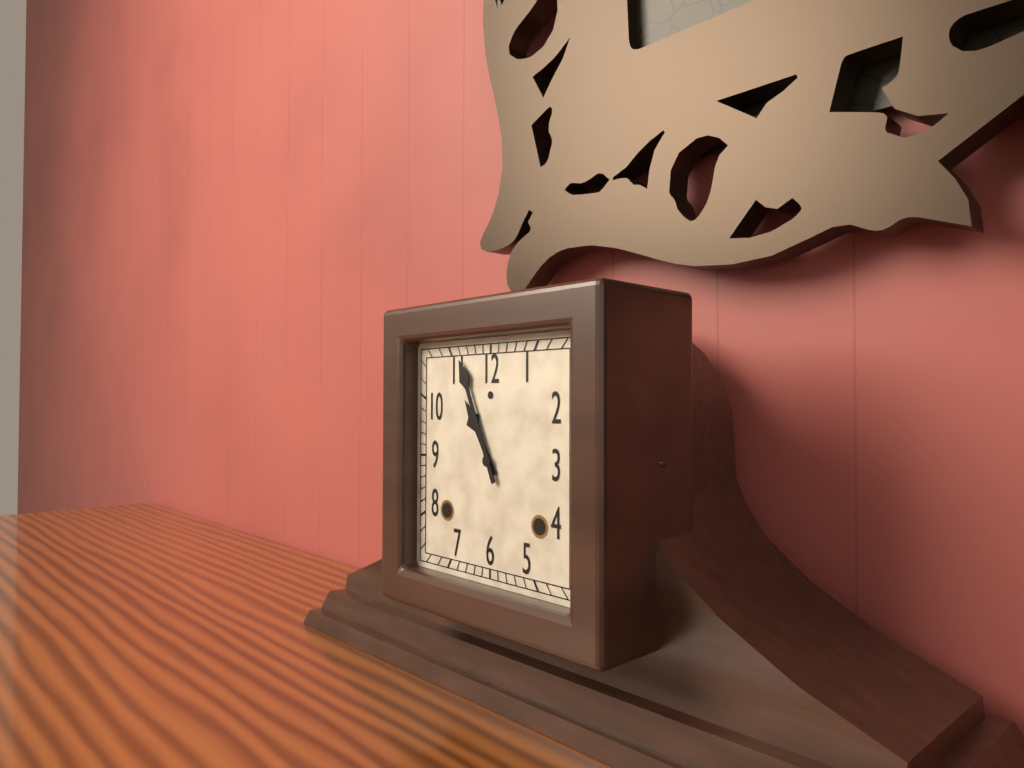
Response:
10,56
